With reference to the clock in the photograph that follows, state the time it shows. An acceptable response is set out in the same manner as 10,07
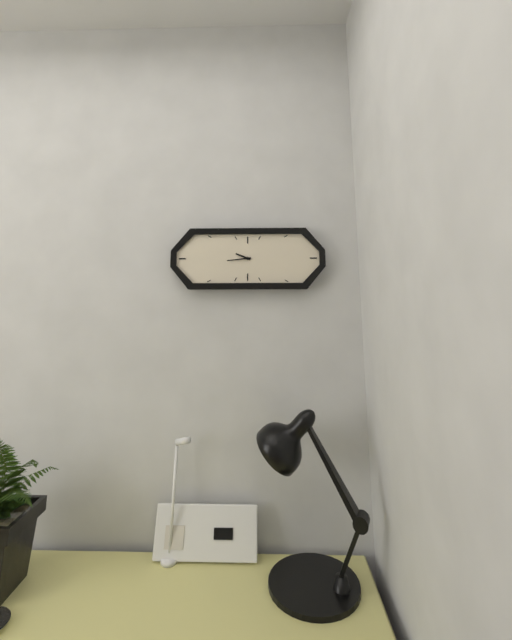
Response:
9,44
